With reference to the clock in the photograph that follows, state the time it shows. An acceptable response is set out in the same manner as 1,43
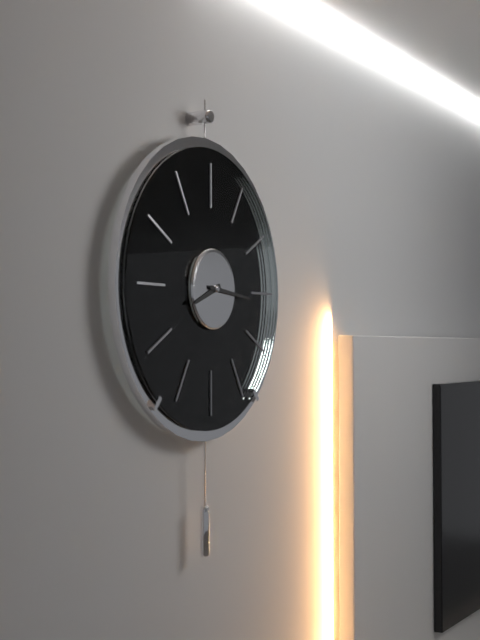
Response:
8,16
